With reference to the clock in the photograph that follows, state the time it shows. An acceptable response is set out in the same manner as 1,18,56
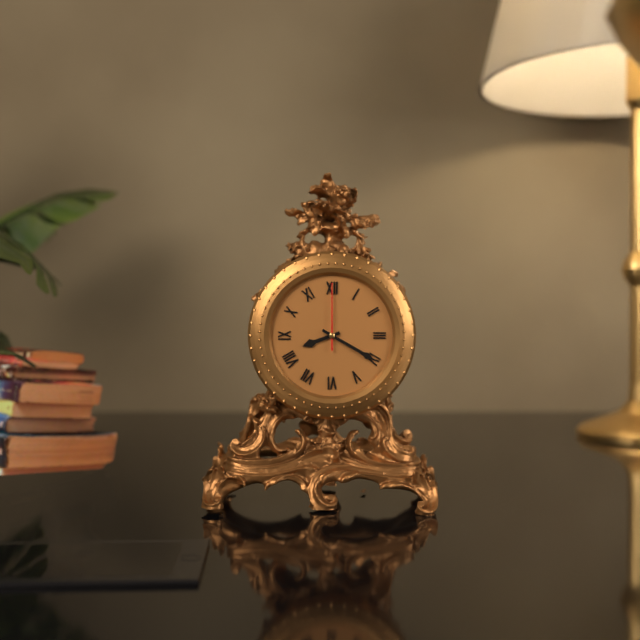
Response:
8,20,00
